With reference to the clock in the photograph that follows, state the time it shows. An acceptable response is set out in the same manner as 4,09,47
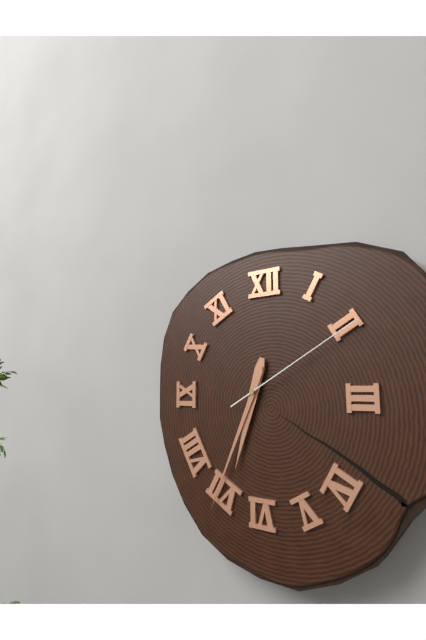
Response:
6,34,10
